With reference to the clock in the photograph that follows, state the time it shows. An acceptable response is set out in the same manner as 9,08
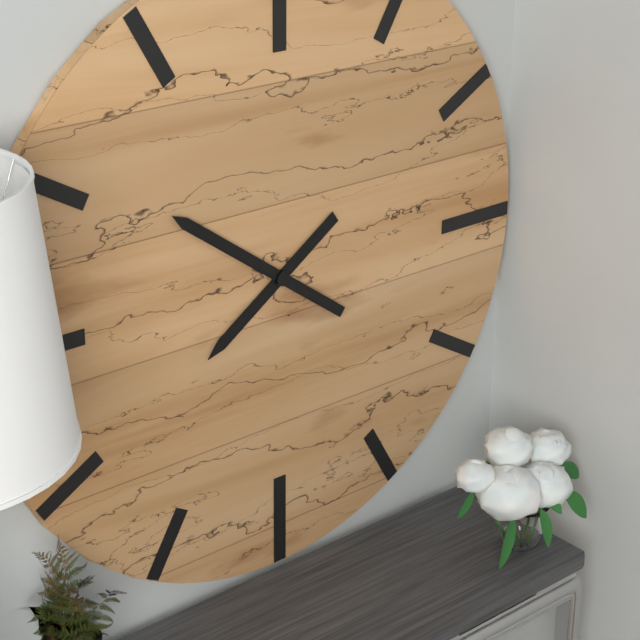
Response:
7,51
